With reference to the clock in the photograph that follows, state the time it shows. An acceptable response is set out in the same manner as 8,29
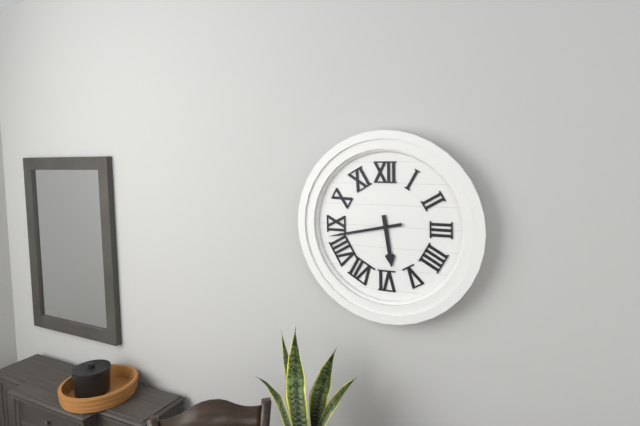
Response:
5,43
